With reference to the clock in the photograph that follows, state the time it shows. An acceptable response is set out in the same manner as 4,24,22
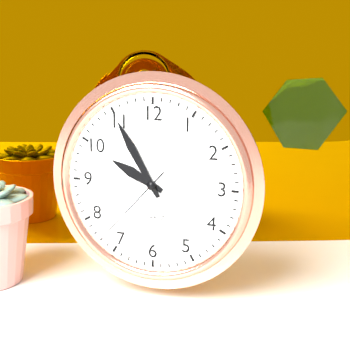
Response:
9,55,37
